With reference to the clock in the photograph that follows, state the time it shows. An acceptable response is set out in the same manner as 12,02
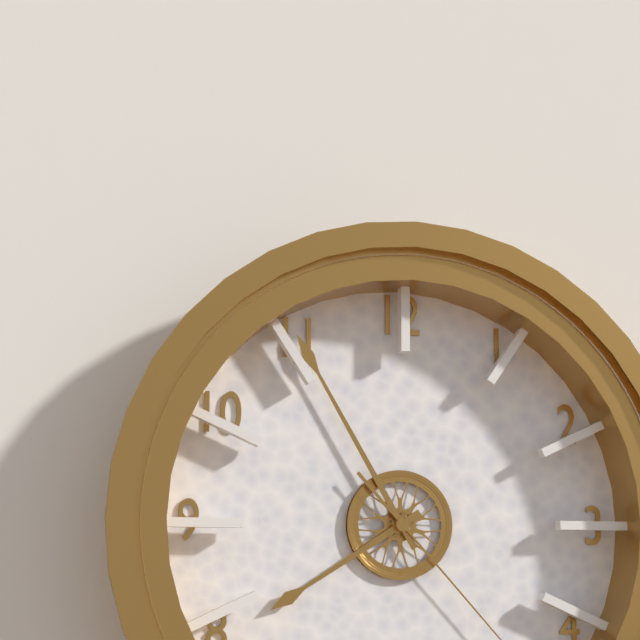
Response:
7,55
